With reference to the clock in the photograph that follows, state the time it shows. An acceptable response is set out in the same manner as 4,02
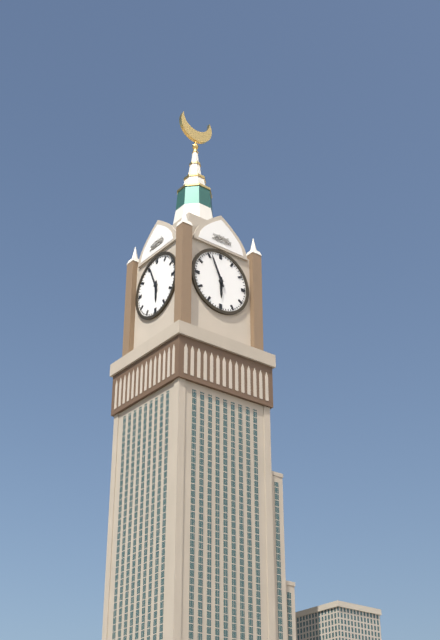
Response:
5,56
